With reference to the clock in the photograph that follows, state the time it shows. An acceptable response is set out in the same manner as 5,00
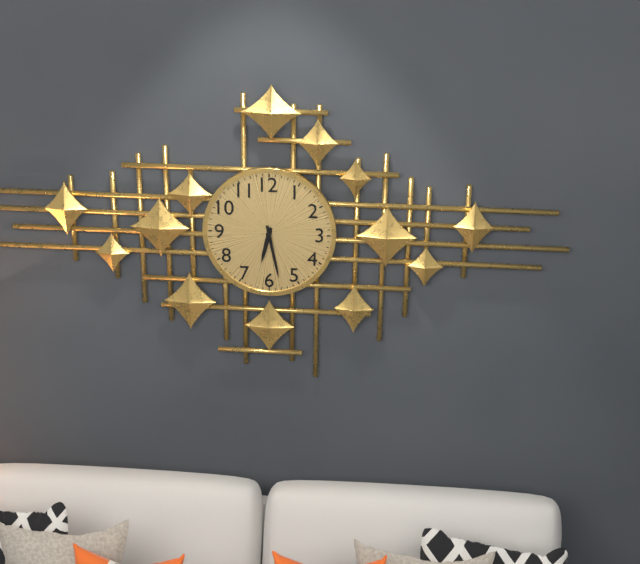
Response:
6,28
